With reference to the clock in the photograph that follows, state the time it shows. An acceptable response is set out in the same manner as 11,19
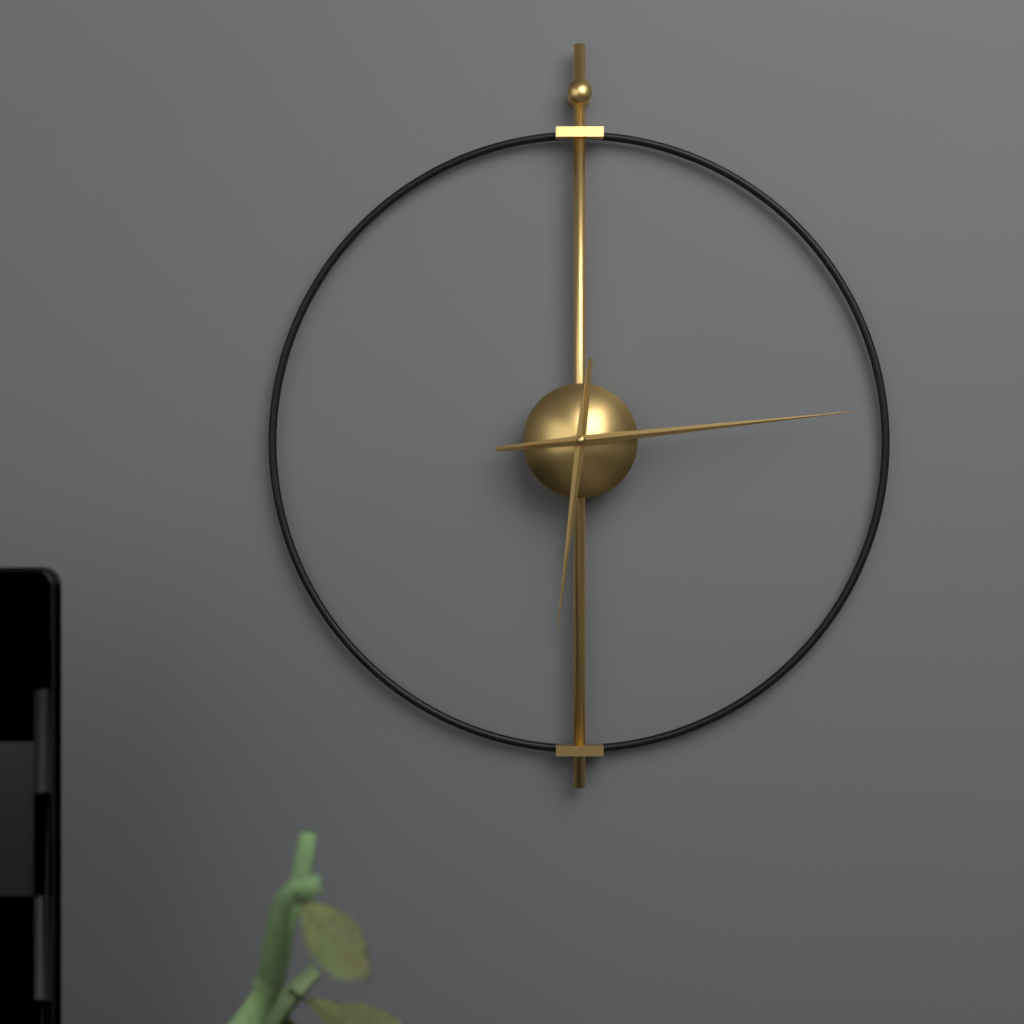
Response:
6,14
